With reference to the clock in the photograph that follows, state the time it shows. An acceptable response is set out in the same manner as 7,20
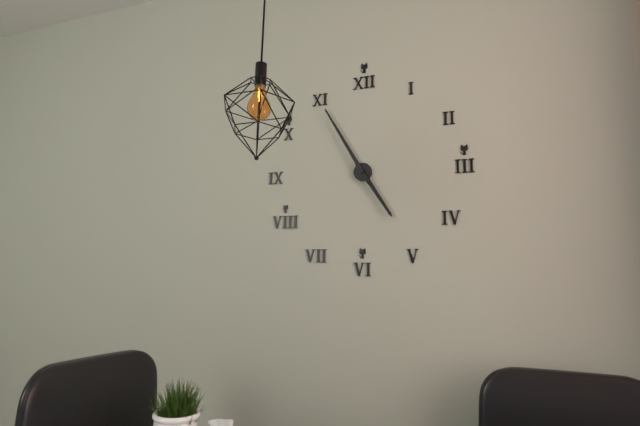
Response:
4,55
